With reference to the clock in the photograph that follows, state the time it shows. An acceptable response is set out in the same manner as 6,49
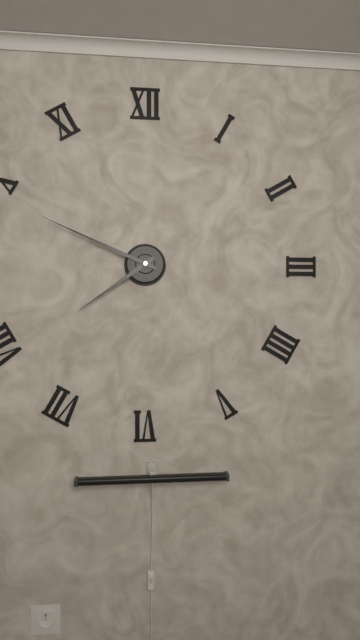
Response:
7,49
